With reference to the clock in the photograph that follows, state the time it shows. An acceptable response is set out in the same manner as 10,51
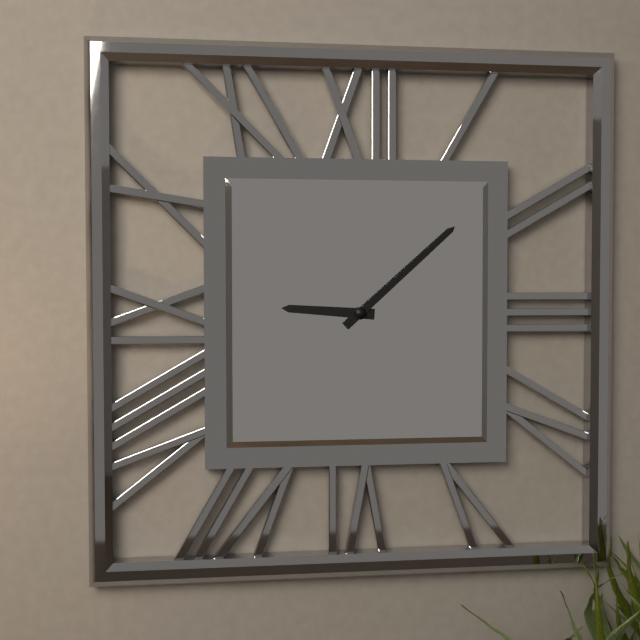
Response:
9,08
